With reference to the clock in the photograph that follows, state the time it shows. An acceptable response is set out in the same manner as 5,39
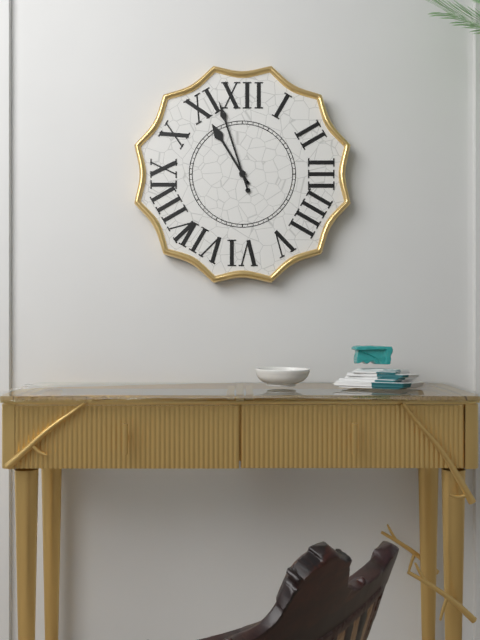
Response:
10,57
